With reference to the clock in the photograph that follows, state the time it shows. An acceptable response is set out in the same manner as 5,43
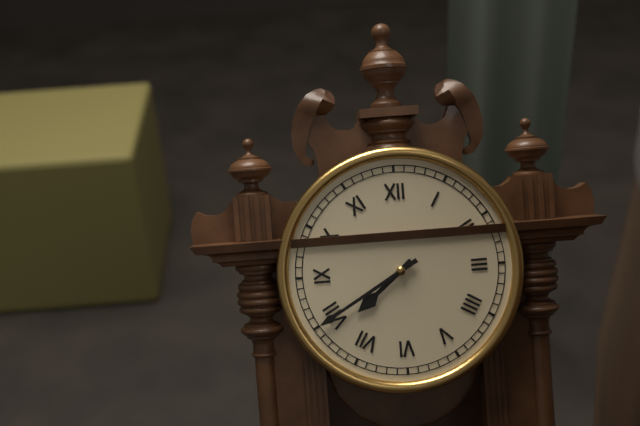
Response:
7,40
